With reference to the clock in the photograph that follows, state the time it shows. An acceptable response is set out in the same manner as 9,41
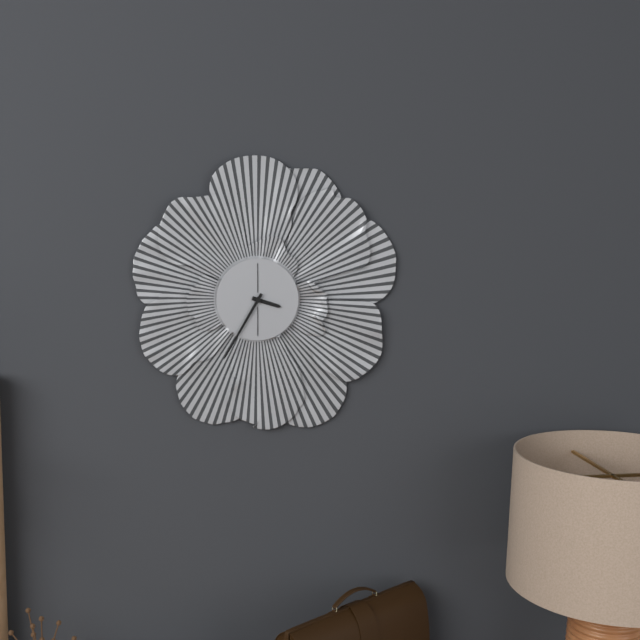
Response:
3,35
